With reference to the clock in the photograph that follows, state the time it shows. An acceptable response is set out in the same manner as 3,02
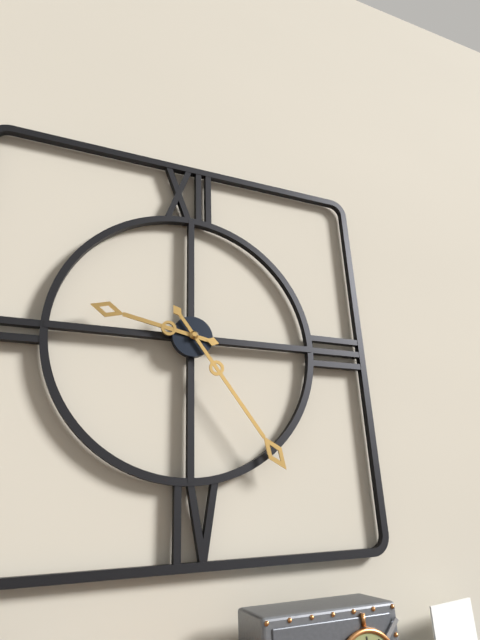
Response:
9,24
